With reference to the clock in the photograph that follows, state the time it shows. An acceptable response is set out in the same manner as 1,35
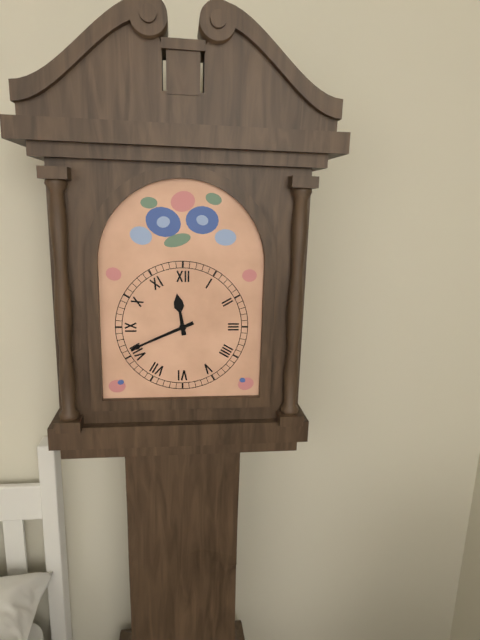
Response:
11,41
